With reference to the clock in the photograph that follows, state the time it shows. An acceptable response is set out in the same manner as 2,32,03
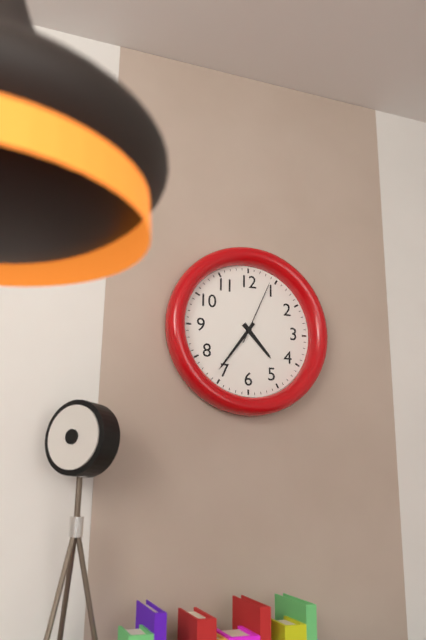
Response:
4,36,04
